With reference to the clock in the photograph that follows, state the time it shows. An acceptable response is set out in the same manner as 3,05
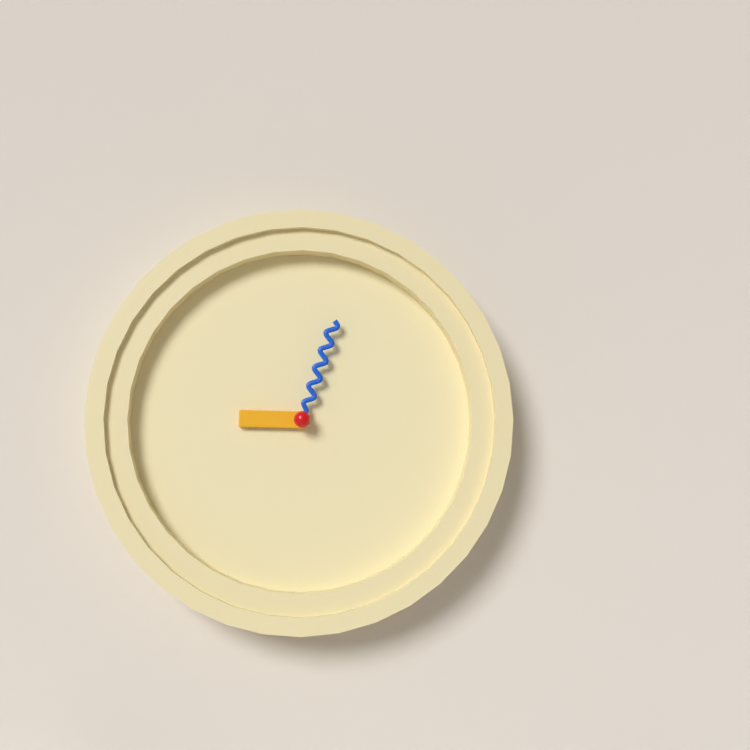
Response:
9,03
